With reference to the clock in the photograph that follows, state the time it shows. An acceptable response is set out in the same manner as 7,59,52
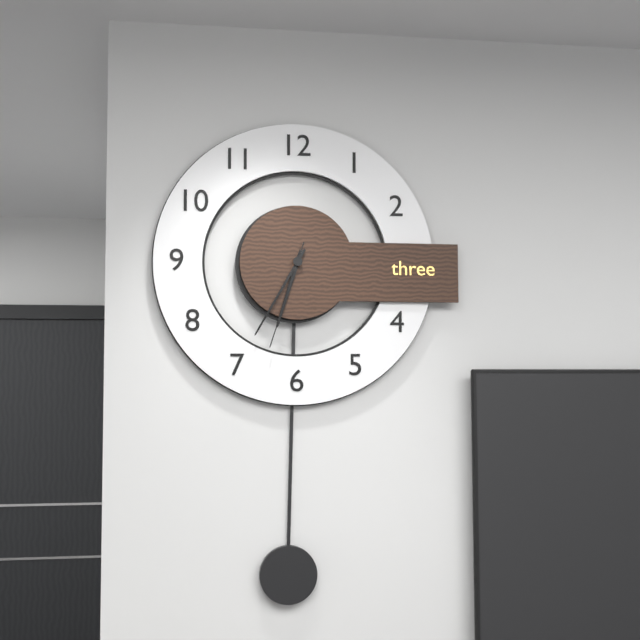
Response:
6,35,33
